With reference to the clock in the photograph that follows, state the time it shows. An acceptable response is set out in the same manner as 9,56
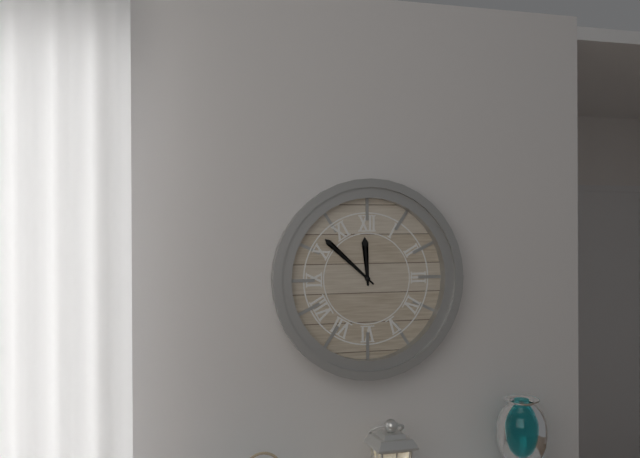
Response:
11,52
